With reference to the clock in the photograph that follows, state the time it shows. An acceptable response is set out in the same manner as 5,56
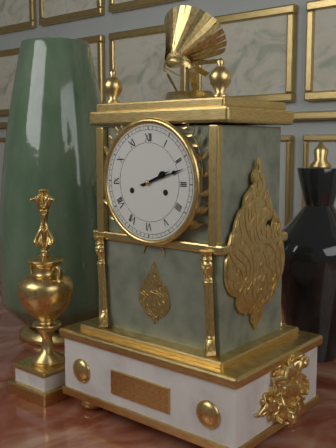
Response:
2,12
